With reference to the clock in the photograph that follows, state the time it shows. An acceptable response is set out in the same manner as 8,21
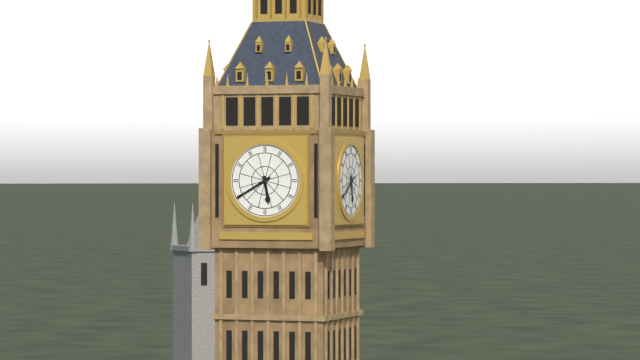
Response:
5,40
